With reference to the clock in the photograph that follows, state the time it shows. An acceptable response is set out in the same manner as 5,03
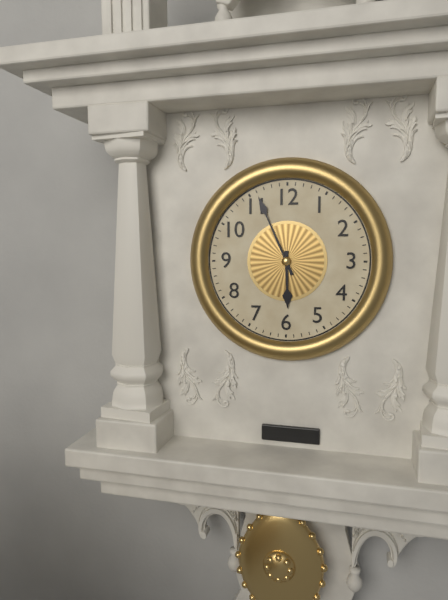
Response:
5,56
